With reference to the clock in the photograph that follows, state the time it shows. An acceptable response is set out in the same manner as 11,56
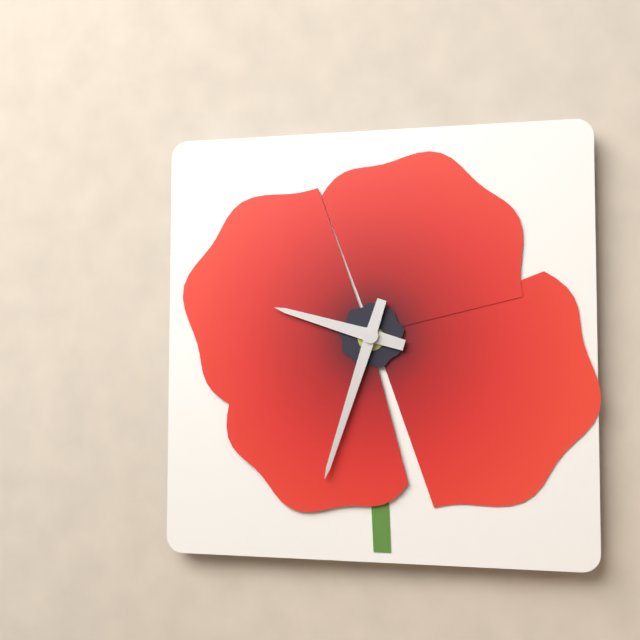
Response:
9,33
